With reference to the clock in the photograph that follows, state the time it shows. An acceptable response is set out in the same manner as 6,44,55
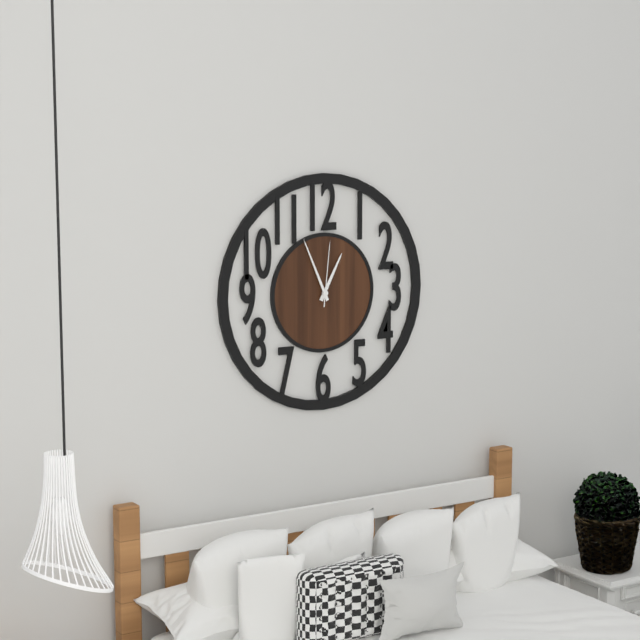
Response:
12,56,01
